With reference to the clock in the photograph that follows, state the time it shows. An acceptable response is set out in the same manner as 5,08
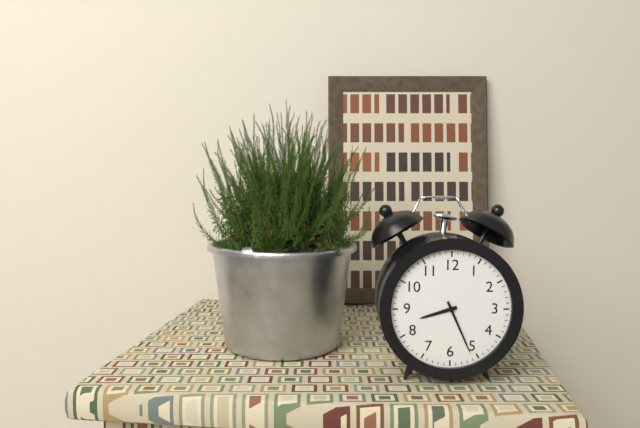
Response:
8,26
